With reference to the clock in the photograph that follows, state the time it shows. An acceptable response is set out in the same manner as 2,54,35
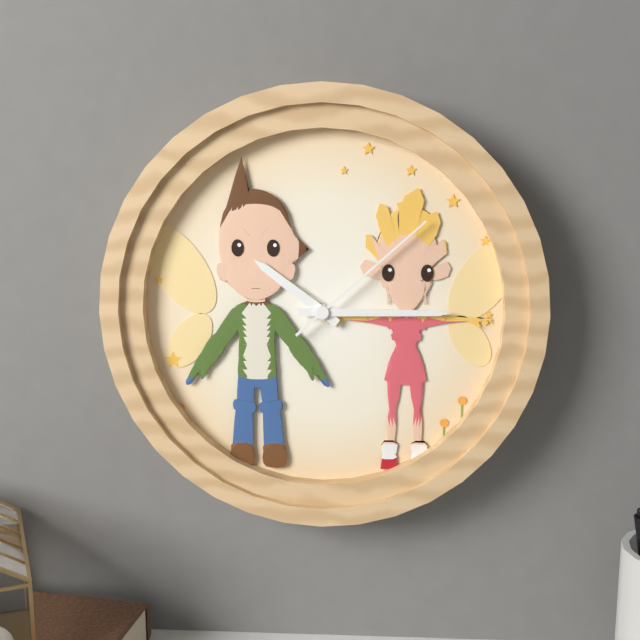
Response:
10,15,08
